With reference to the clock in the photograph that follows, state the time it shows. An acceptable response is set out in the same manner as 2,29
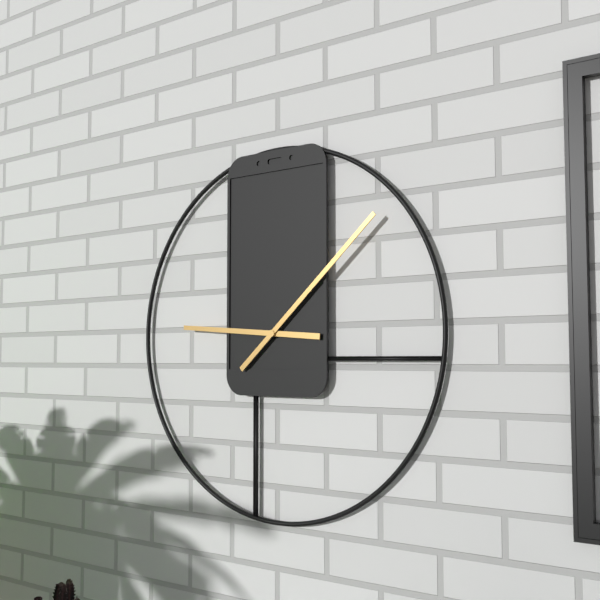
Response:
9,08
